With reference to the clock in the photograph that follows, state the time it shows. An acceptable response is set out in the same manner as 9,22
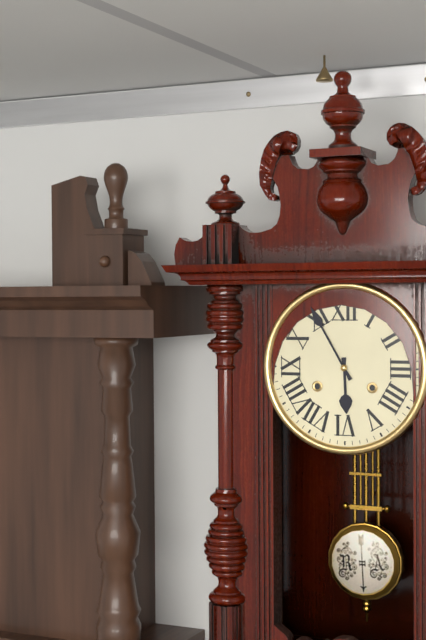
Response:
5,55
